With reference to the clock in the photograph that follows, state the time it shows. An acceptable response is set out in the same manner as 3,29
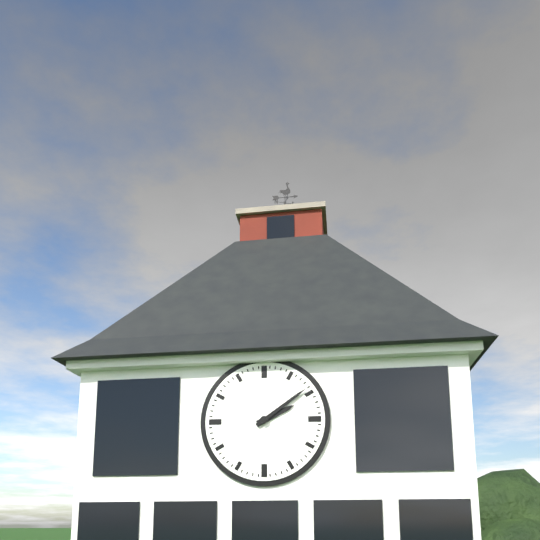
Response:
2,09
